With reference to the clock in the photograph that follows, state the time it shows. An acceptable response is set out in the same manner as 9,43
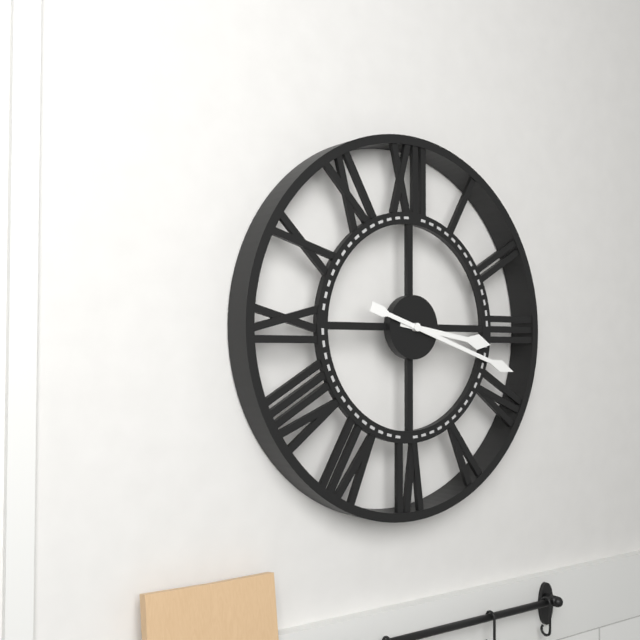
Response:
3,18
